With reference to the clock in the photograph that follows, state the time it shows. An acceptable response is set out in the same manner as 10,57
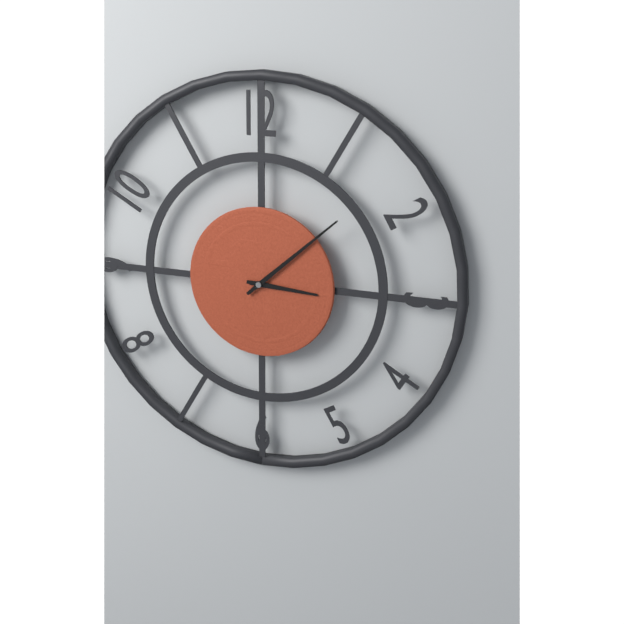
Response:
3,08
